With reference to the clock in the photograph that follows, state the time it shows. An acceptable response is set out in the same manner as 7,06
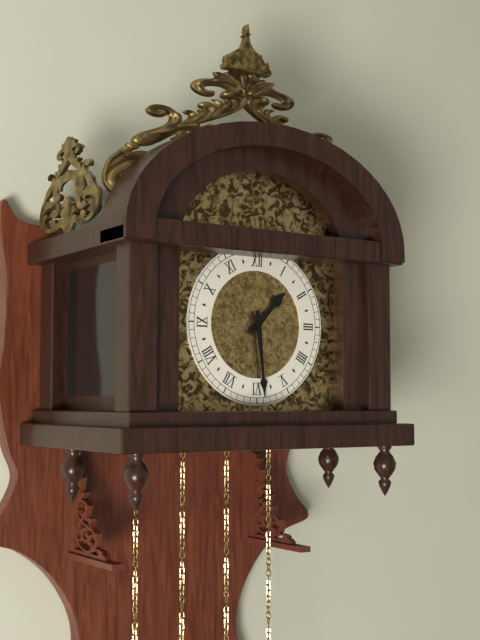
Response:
1,29
